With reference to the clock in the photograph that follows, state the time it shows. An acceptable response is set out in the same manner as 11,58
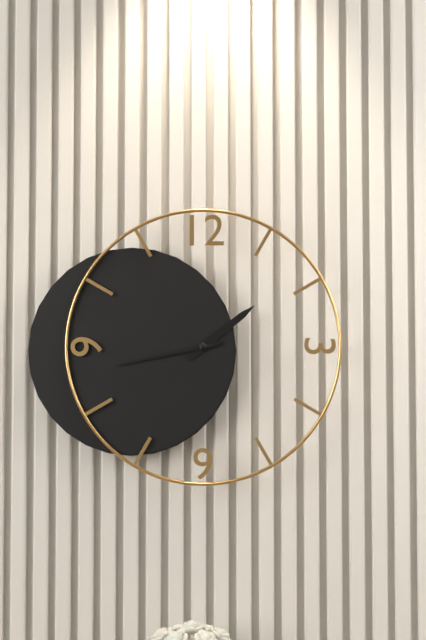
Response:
1,43
